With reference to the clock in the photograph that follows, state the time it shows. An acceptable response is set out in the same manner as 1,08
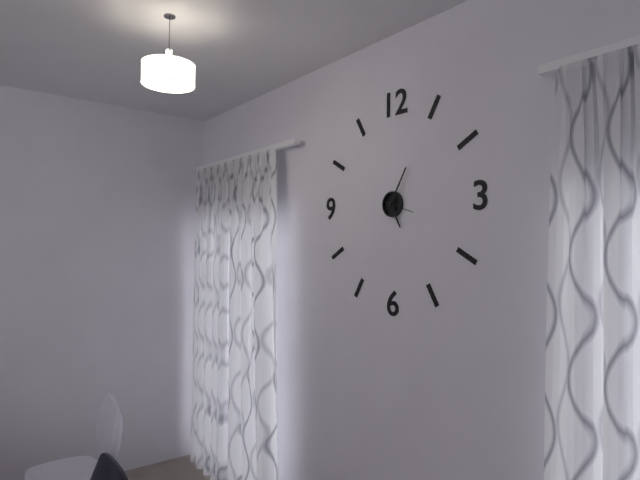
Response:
5,05
